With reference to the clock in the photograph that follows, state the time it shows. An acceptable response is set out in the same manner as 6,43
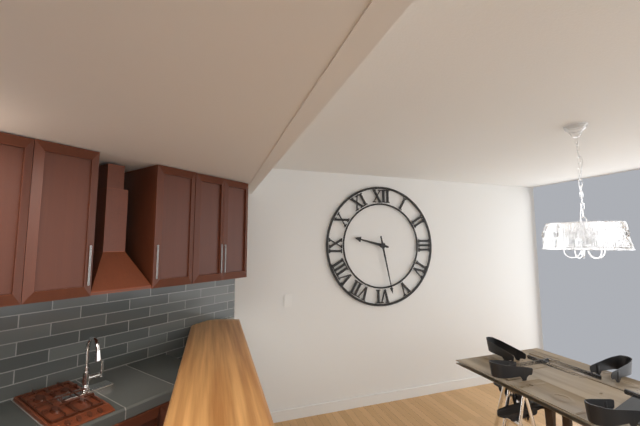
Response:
9,28
